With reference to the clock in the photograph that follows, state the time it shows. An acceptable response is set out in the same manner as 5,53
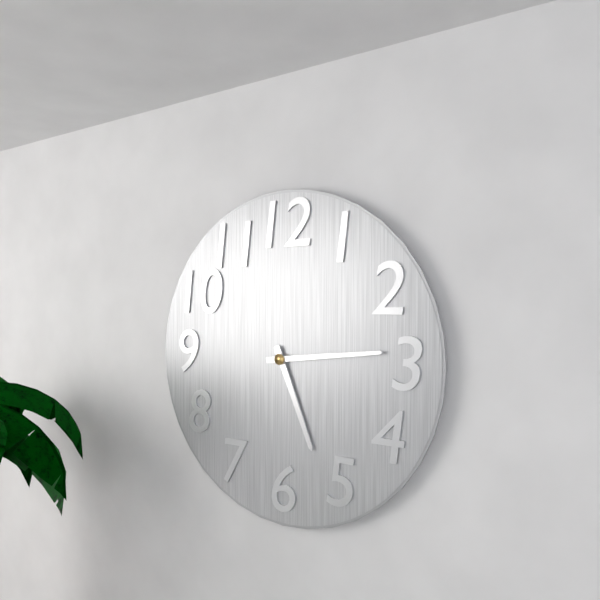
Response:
5,14
